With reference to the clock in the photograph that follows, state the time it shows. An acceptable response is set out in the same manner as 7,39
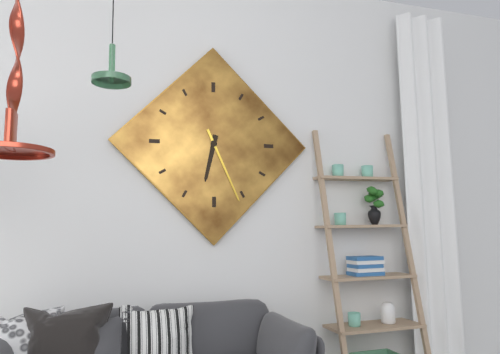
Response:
6,26
